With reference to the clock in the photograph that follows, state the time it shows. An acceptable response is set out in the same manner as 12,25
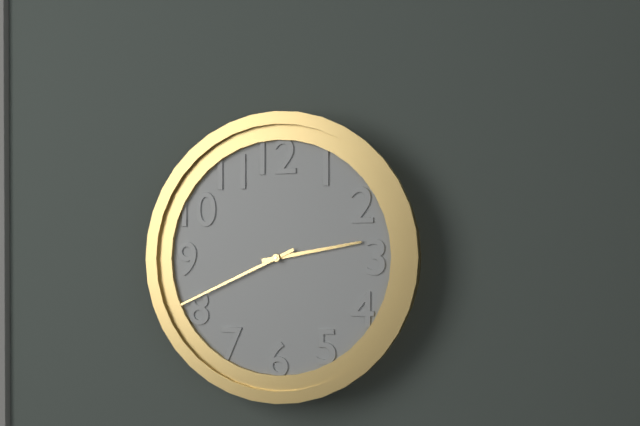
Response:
2,41
